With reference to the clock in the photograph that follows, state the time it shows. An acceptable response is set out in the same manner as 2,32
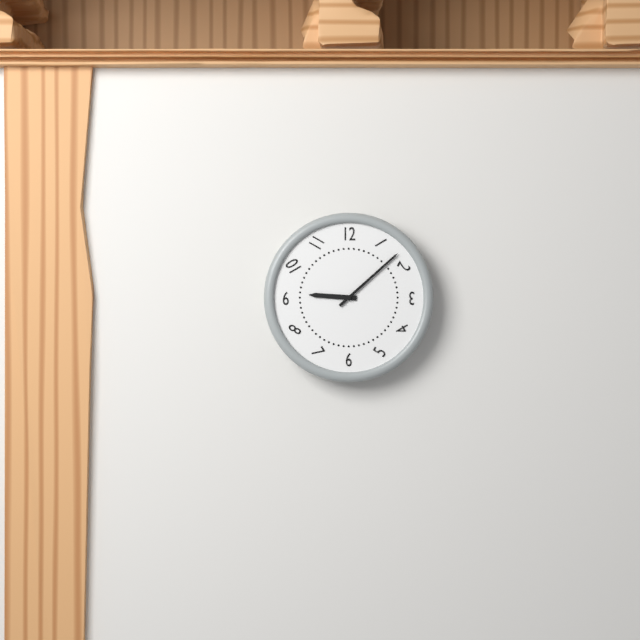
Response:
9,08
